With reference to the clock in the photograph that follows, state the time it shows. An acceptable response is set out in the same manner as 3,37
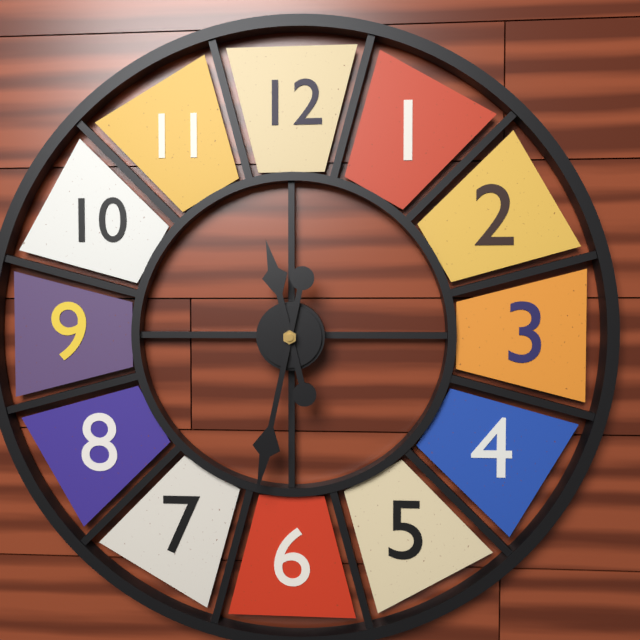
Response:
11,32
